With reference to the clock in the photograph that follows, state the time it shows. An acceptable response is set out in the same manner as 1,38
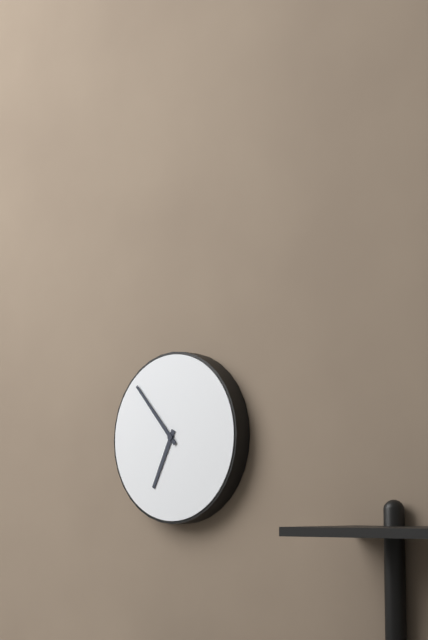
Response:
6,53
